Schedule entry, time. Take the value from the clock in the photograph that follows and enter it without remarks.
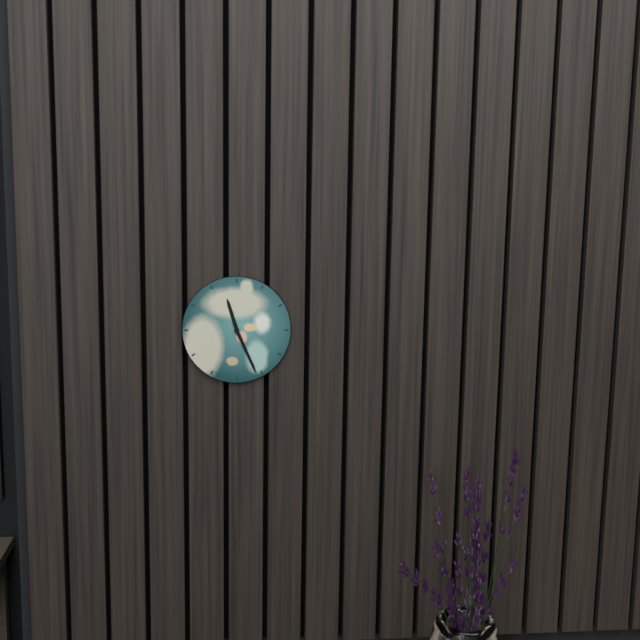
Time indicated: 11:26
